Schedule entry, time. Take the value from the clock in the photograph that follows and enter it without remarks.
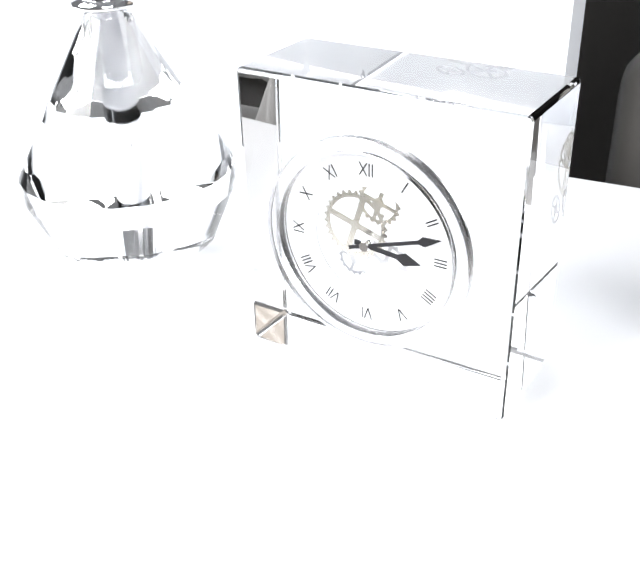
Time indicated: 3:12
